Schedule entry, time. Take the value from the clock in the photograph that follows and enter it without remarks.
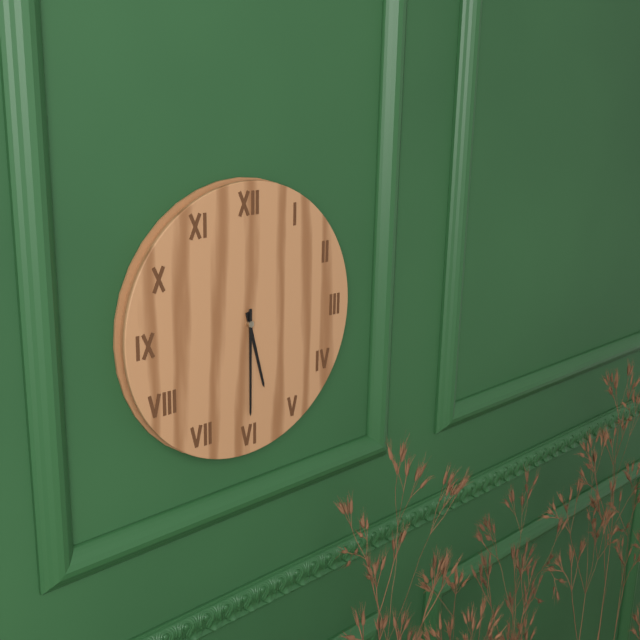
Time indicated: 5:30
